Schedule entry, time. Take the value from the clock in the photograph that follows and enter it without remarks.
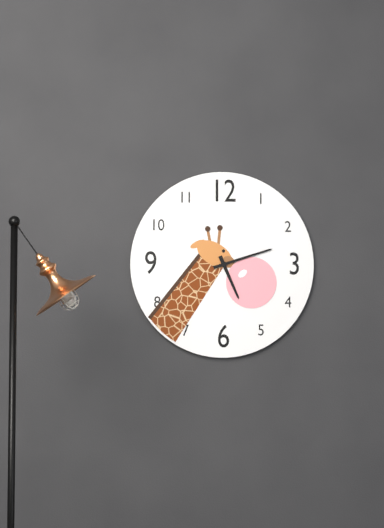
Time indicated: 5:12
